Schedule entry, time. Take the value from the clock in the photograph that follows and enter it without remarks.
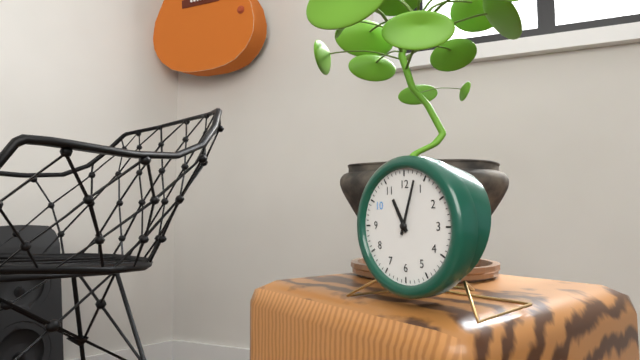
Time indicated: 11:03
